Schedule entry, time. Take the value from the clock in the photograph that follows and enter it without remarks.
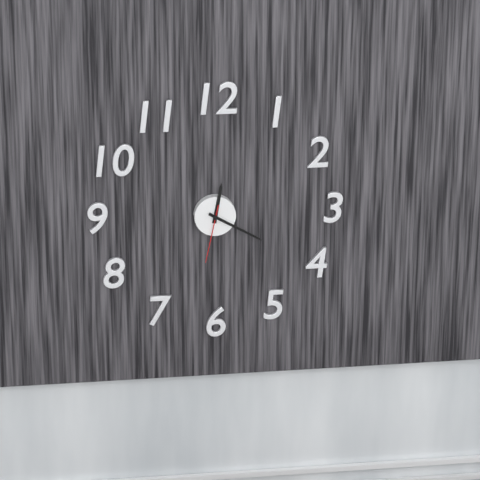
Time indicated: 12:20:32
